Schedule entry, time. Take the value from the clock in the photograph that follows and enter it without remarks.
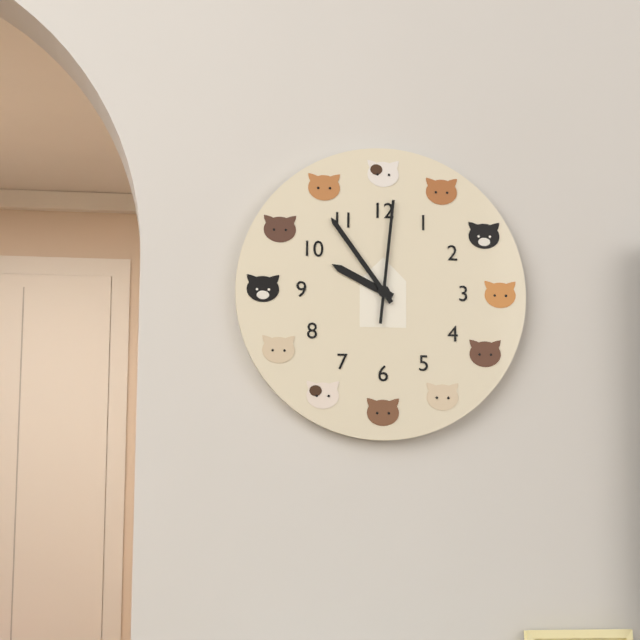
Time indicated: 9:54:01
